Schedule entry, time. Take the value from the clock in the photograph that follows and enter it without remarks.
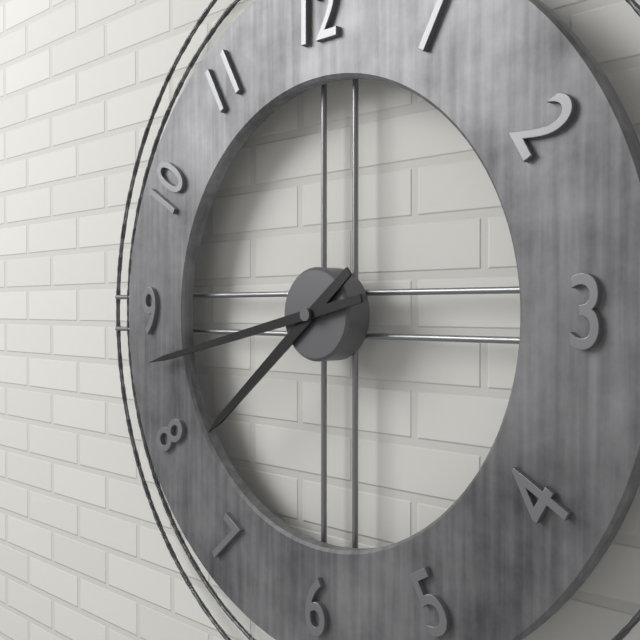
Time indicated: 7:43
